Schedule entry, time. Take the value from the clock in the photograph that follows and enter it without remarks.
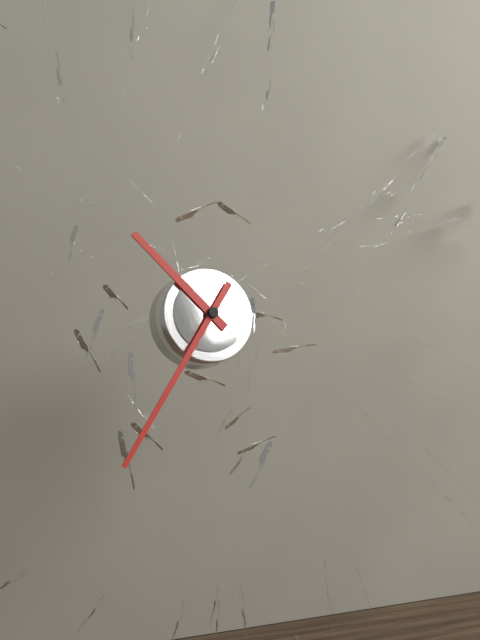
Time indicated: 10:36
